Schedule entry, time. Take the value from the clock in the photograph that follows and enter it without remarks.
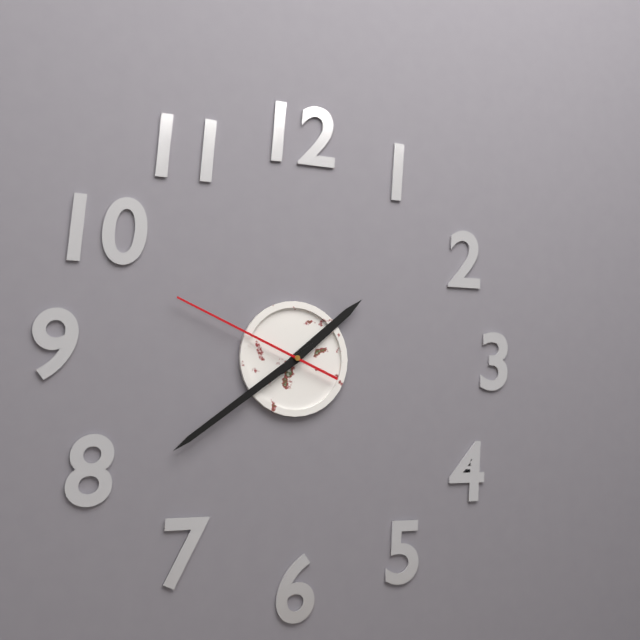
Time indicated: 1:39:49
